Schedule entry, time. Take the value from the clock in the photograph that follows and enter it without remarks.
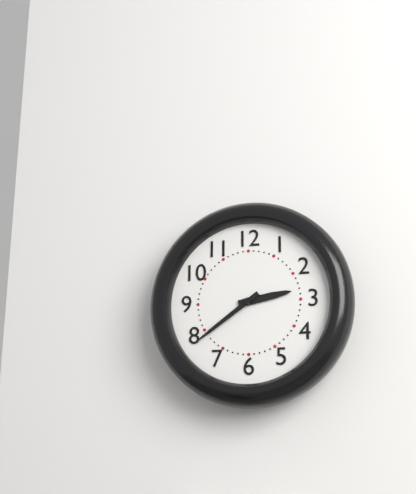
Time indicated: 2:39
